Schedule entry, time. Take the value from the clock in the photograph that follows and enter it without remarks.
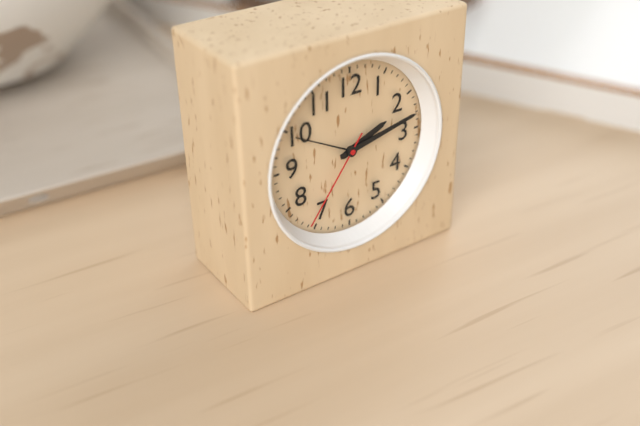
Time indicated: 2:13:36
